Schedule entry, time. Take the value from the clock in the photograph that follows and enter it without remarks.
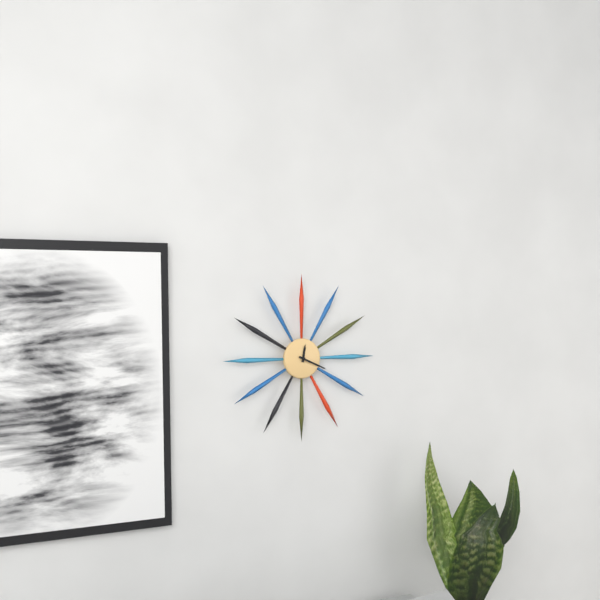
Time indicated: 12:19
